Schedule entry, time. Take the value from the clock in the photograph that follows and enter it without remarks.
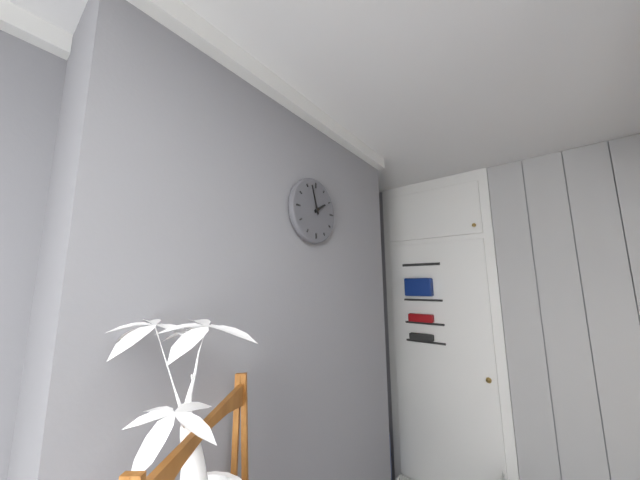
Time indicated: 1:57
